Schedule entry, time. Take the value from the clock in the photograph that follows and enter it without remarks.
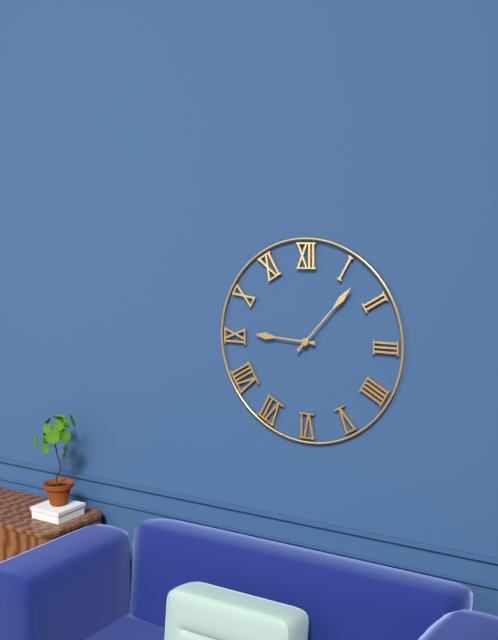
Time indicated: 9:07
